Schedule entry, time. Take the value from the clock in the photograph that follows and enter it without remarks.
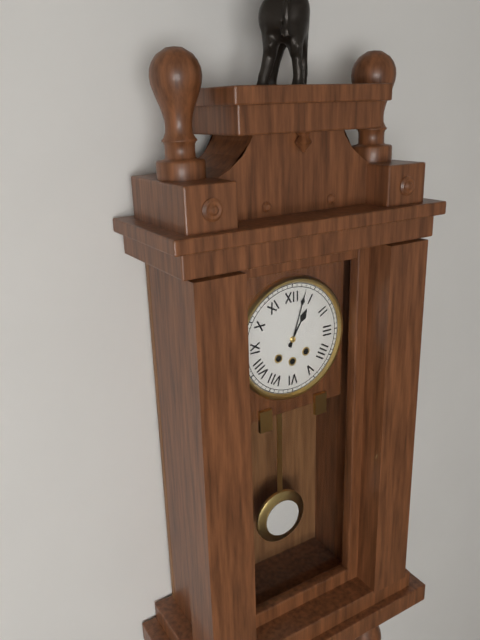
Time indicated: 1:03
